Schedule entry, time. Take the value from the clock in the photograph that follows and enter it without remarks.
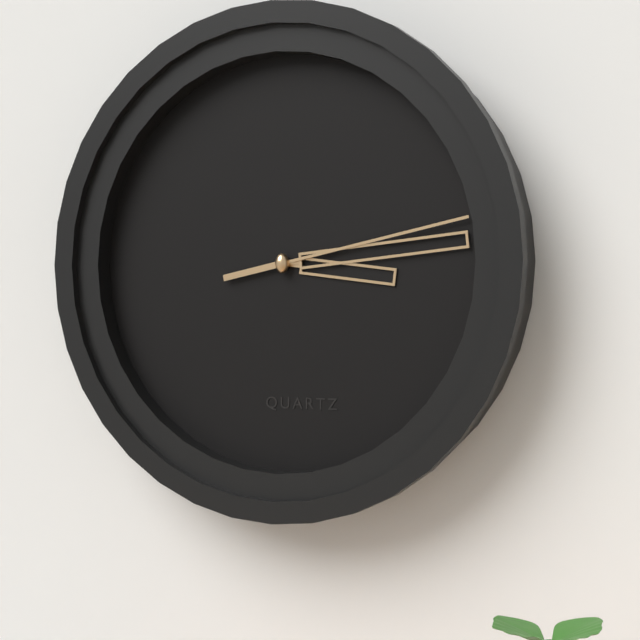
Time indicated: 3:14:13
